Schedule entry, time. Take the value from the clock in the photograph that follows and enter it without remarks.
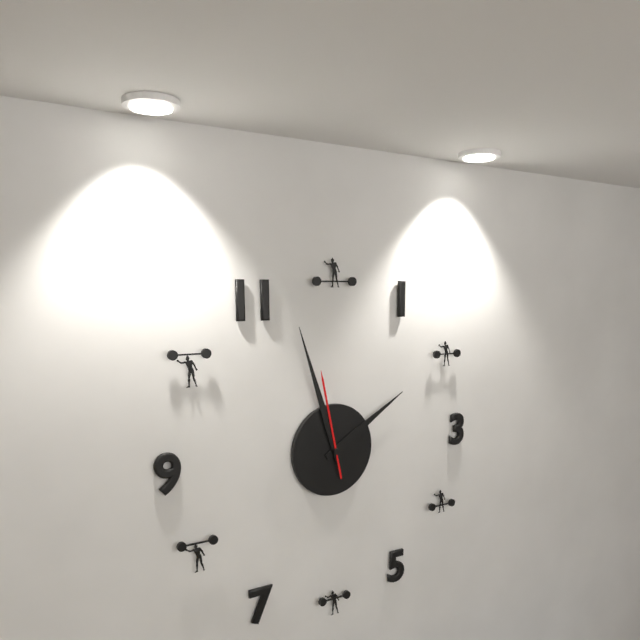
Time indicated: 1:57:58
